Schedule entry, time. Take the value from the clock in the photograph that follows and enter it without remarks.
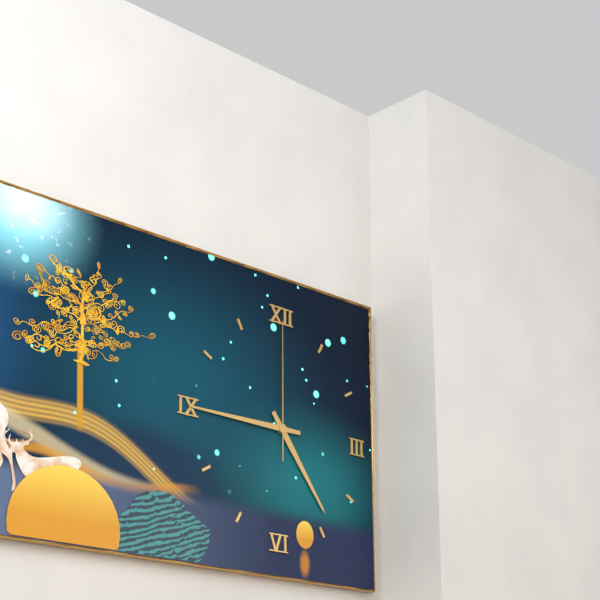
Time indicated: 4:45:00
